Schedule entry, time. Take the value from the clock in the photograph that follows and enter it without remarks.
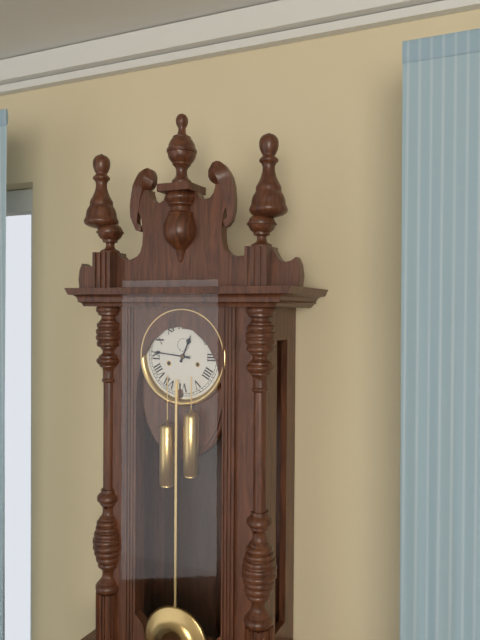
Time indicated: 12:46
